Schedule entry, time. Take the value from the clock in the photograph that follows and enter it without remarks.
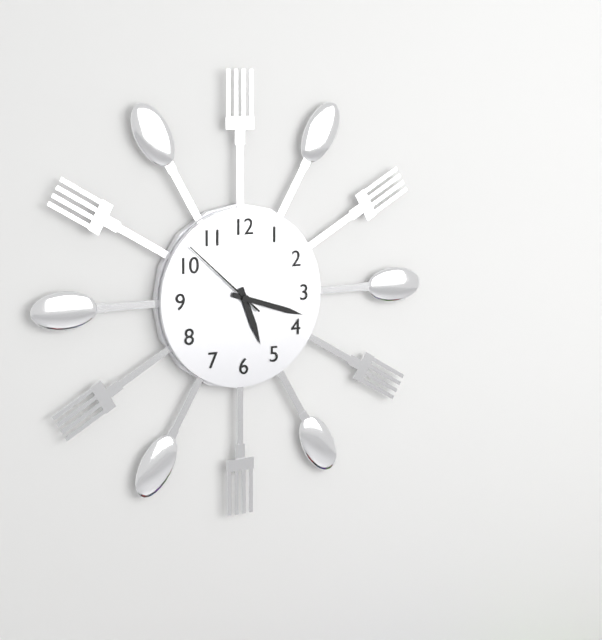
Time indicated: 5:18:52
